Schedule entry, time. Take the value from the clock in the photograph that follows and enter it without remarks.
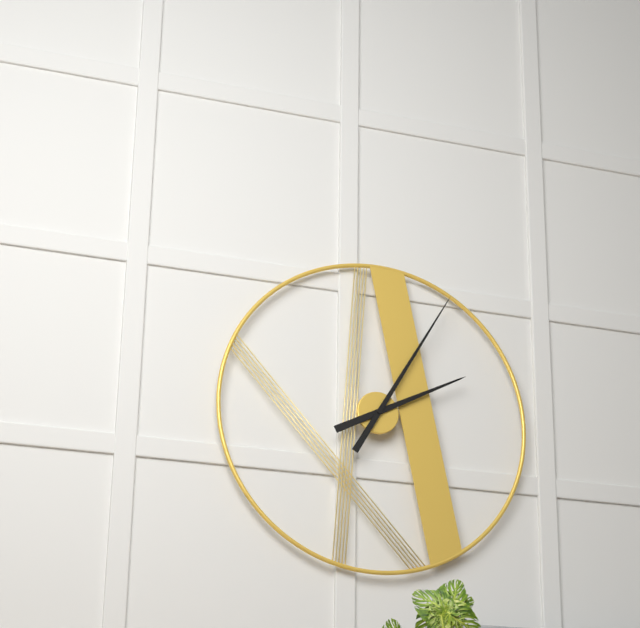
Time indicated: 2:05
